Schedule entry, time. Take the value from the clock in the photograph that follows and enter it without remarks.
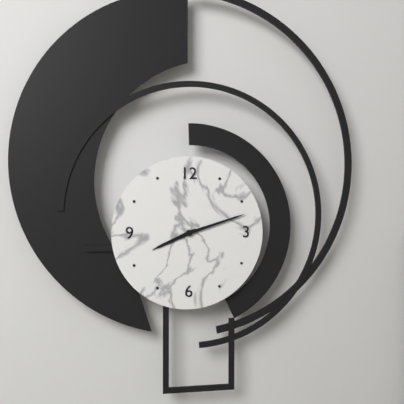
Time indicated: 8:12
